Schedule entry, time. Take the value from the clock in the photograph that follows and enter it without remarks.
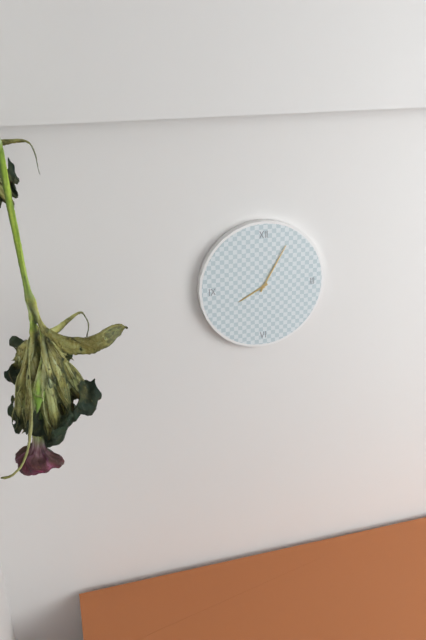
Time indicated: 8:05
